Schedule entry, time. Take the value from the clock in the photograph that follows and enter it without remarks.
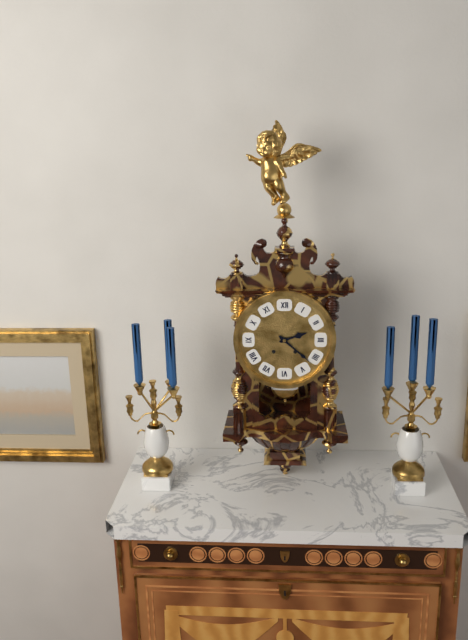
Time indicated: 2:22
